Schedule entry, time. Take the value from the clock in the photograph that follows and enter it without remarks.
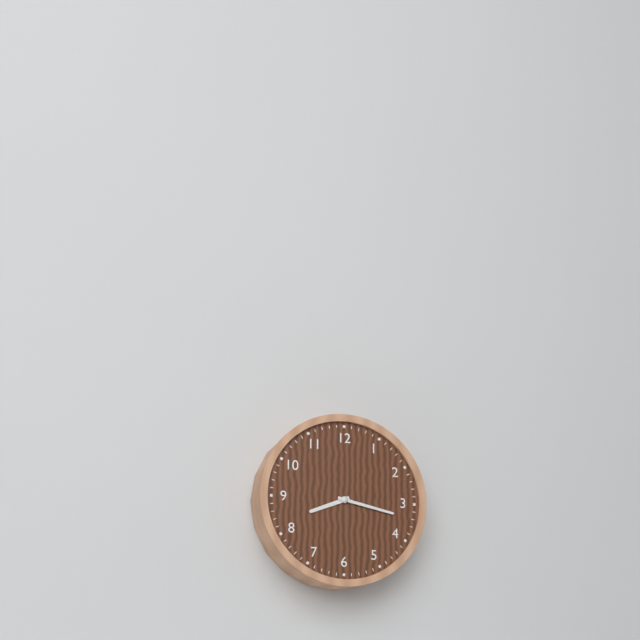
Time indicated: 8:17
